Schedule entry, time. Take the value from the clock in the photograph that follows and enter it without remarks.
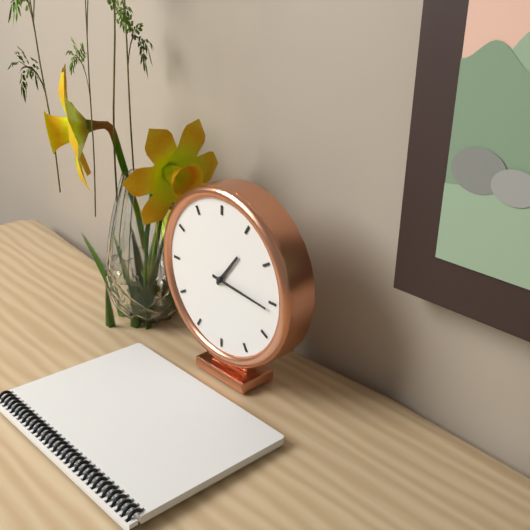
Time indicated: 1:16
